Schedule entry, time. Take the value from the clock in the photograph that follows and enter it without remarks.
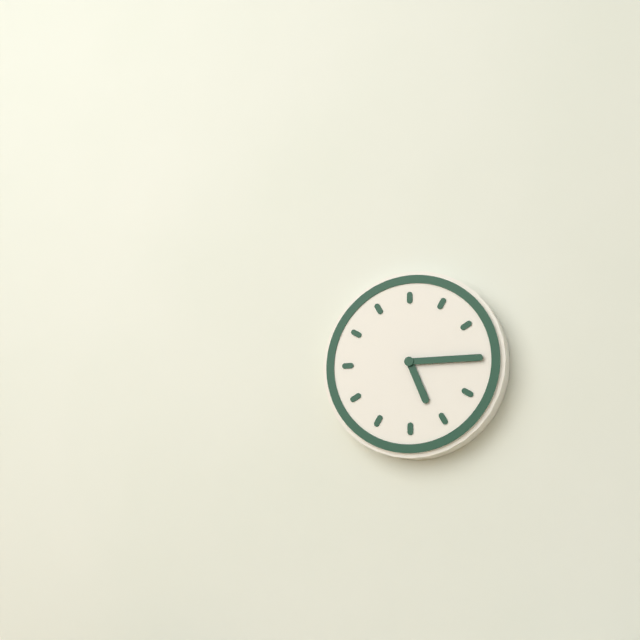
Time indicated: 5:15
